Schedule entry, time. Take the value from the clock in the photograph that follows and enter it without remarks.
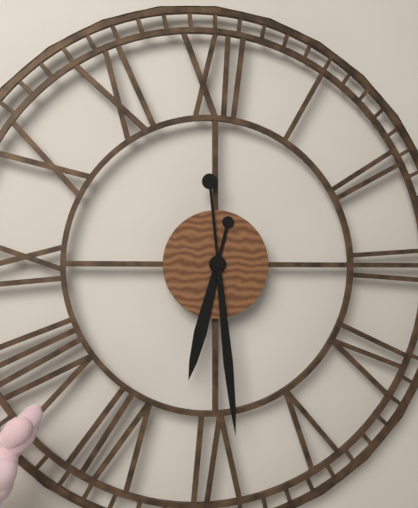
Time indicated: 6:29
